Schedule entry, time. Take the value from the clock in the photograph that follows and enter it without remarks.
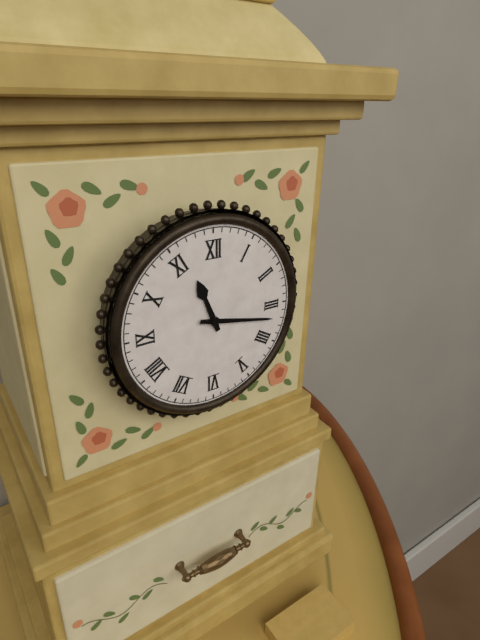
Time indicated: 11:17
